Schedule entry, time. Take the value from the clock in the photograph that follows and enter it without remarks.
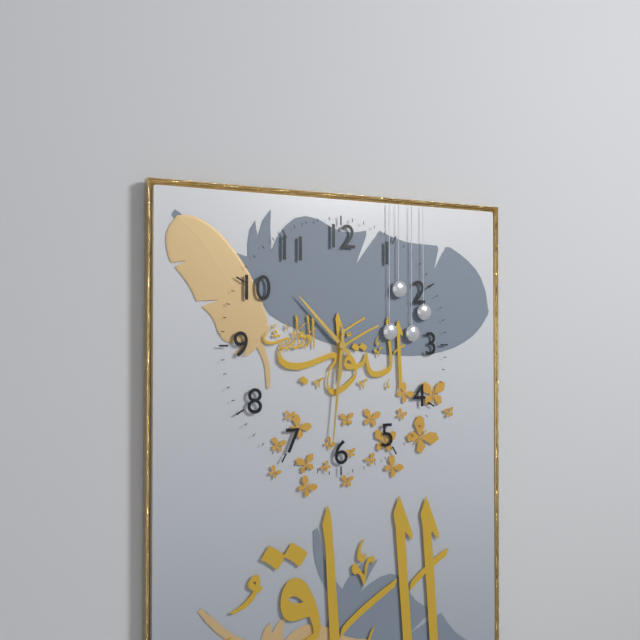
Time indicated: 10:31
